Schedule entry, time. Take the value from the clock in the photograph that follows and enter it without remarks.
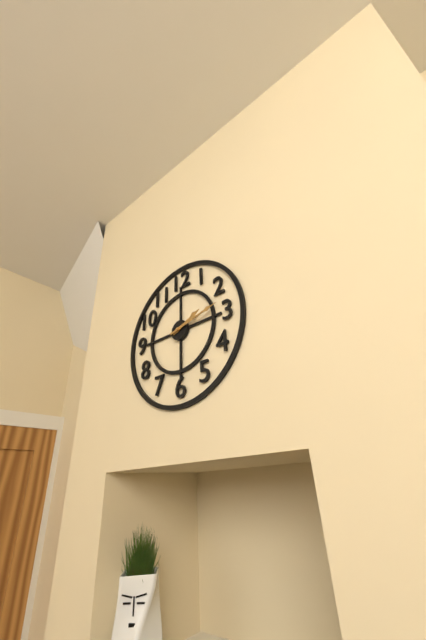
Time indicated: 2:13
